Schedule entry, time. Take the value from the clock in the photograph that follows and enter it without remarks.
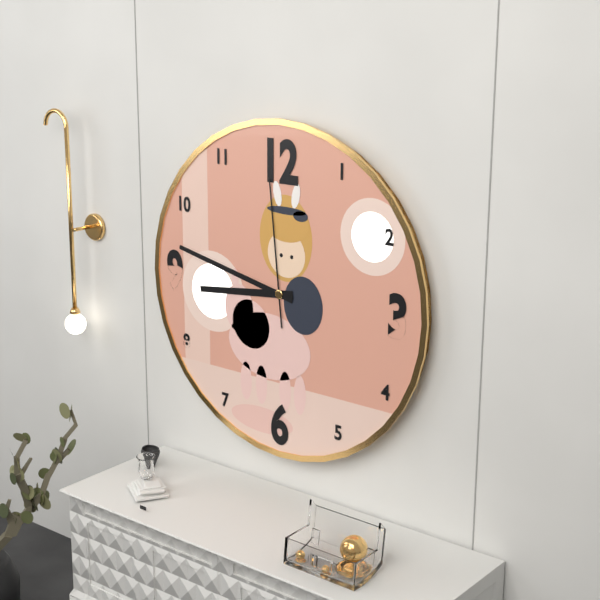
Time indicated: 8:47:59
